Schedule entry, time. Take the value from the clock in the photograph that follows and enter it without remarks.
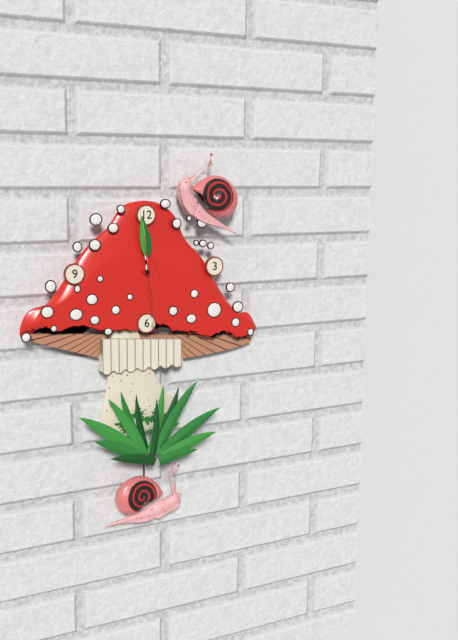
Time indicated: 11:59:29
